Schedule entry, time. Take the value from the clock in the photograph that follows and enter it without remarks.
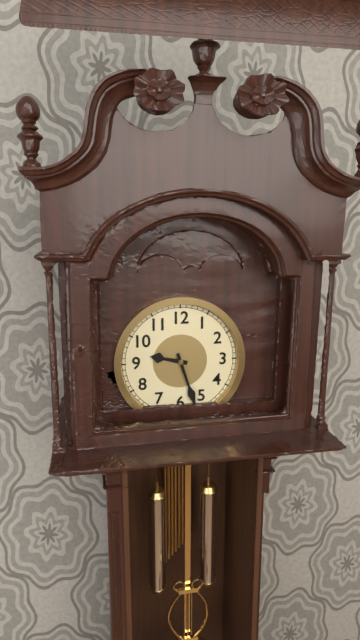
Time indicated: 9:27
